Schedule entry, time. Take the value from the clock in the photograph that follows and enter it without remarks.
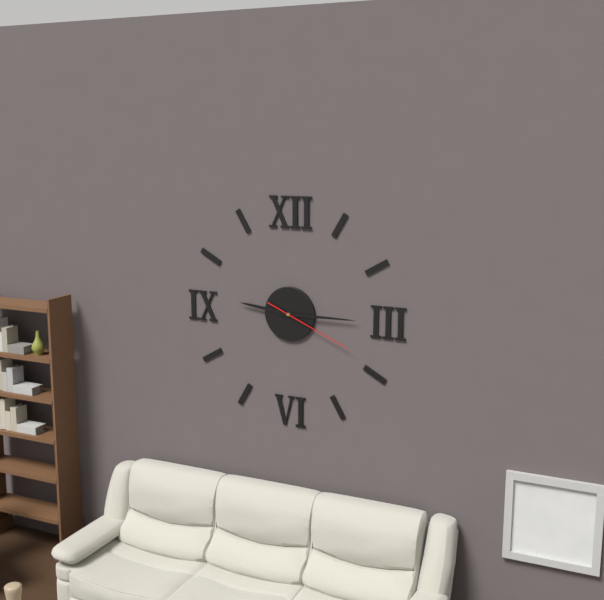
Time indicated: 9:15:19
